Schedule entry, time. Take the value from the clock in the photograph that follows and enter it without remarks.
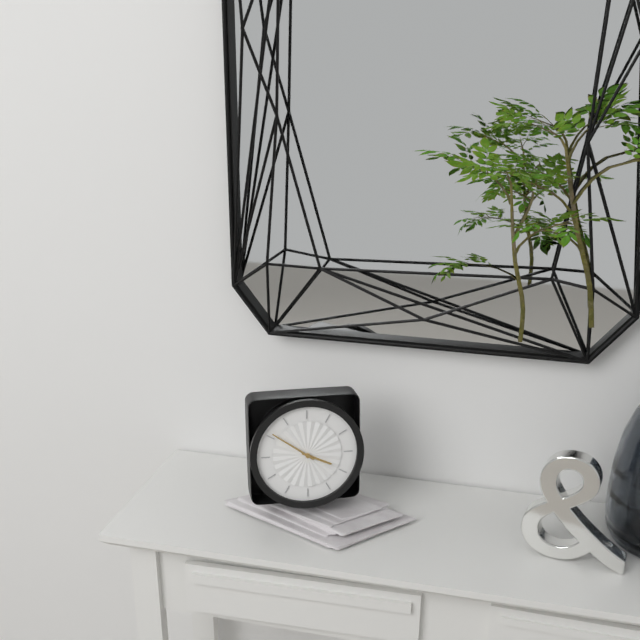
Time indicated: 3:51
